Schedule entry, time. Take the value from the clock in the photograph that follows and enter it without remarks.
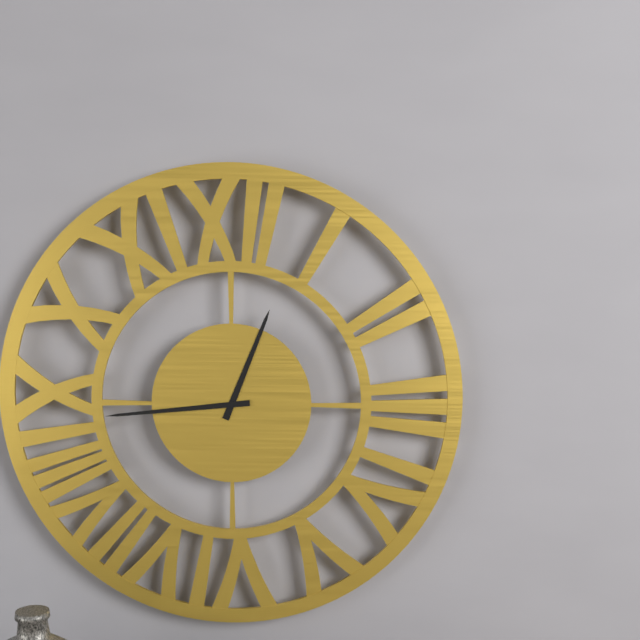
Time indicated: 12:44
